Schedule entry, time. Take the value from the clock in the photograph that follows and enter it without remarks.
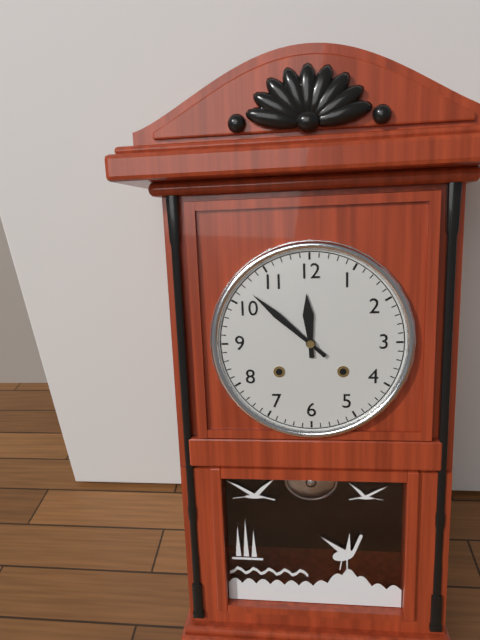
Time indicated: 11:52
